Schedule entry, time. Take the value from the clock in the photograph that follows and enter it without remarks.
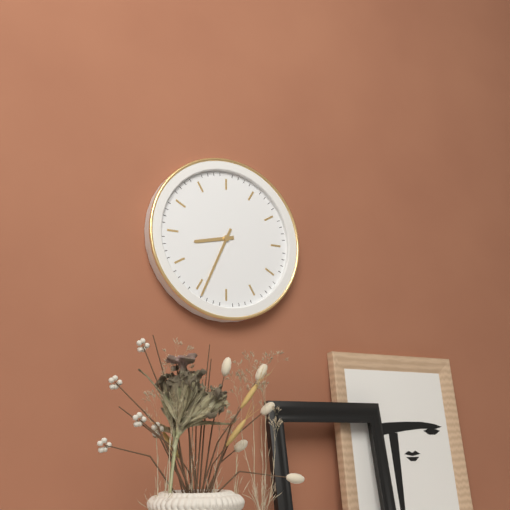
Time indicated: 8:34
